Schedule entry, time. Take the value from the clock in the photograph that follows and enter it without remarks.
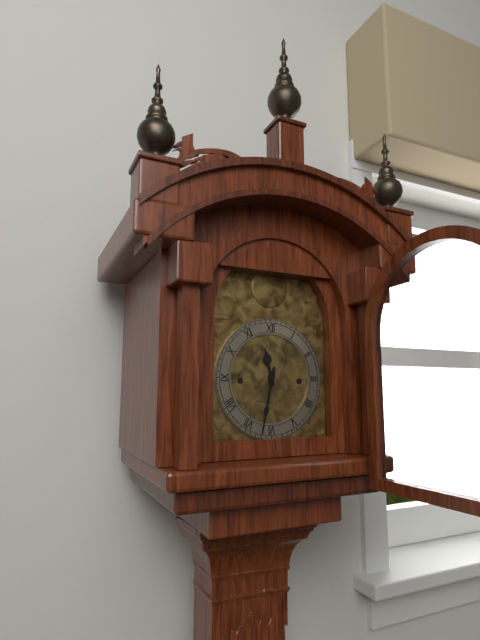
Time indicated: 11:32
